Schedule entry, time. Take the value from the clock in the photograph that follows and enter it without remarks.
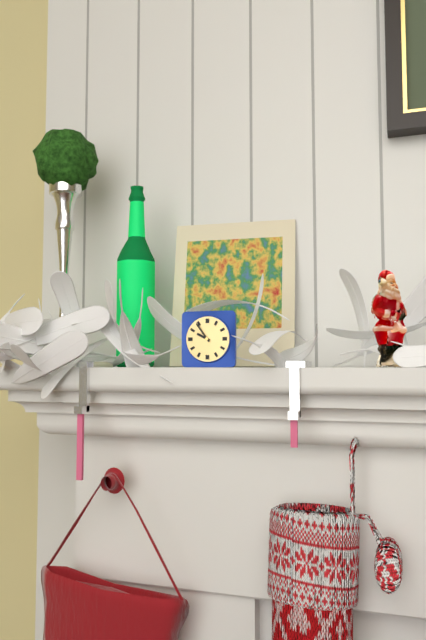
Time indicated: 9:54
